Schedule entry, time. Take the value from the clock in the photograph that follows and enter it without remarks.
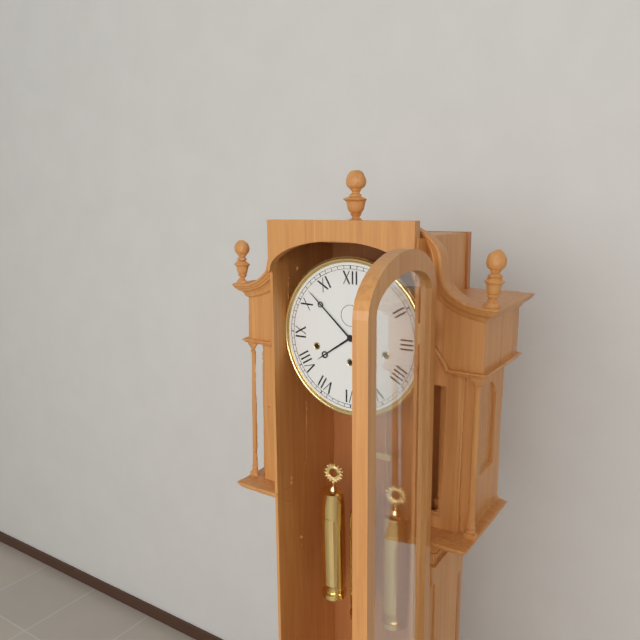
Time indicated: 7:52
